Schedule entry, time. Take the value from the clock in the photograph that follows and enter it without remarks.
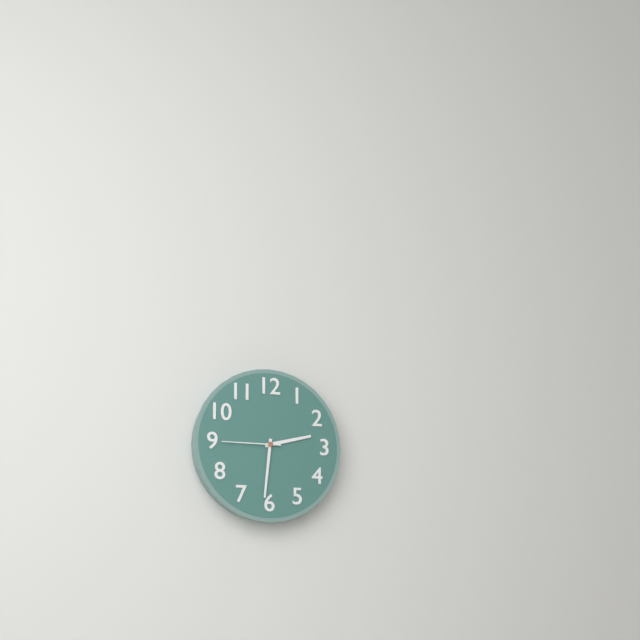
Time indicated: 2:31:45
